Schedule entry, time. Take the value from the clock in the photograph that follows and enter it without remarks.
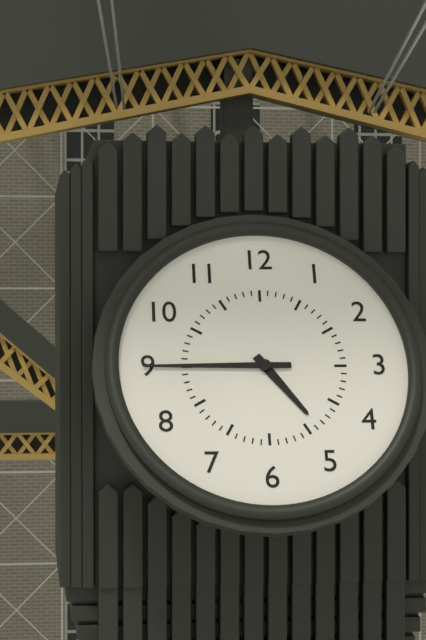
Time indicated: 4:45
